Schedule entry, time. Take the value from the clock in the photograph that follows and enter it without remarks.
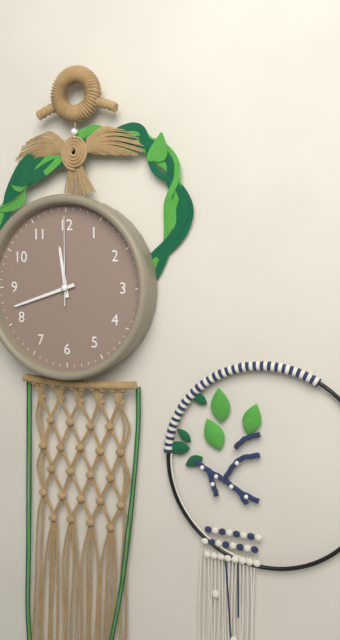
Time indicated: 11:42:00
